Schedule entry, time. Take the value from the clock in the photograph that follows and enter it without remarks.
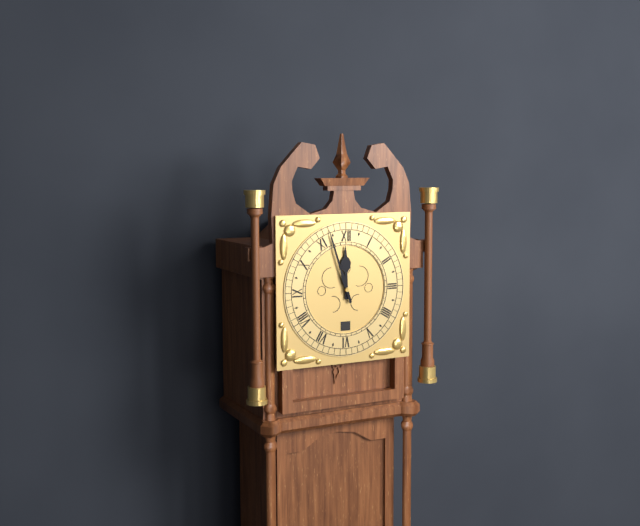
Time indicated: 11:57
